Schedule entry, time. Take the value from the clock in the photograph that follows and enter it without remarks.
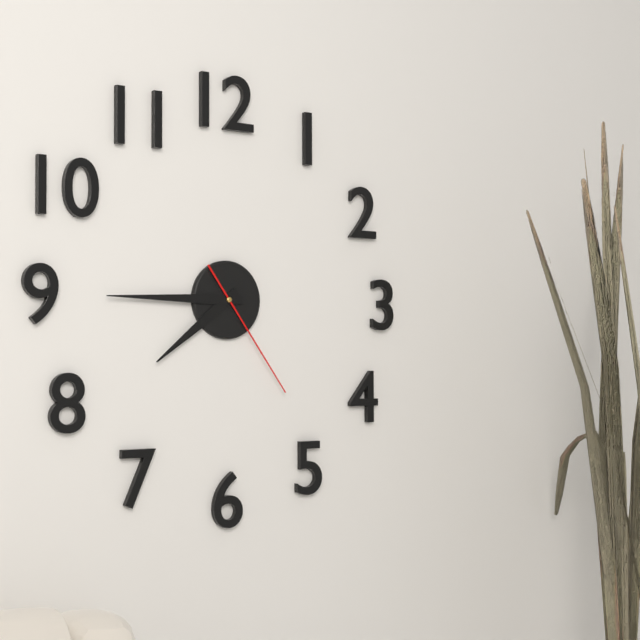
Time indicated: 7:45:24
